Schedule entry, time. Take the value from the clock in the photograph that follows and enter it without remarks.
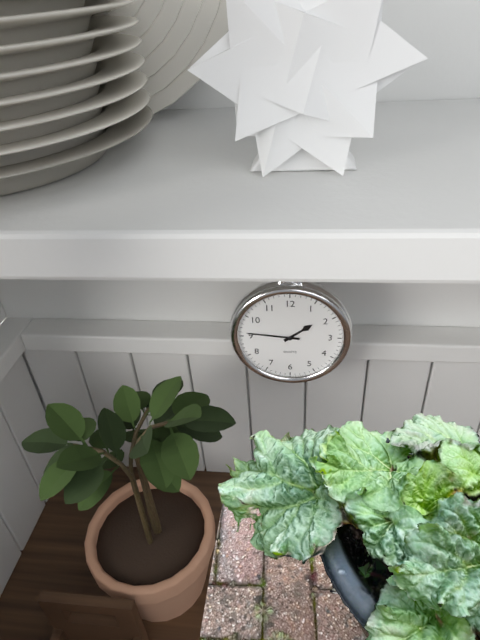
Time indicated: 1:46
